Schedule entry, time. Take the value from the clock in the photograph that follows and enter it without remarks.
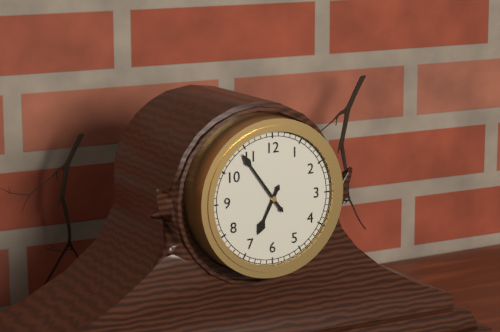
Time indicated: 6:54
